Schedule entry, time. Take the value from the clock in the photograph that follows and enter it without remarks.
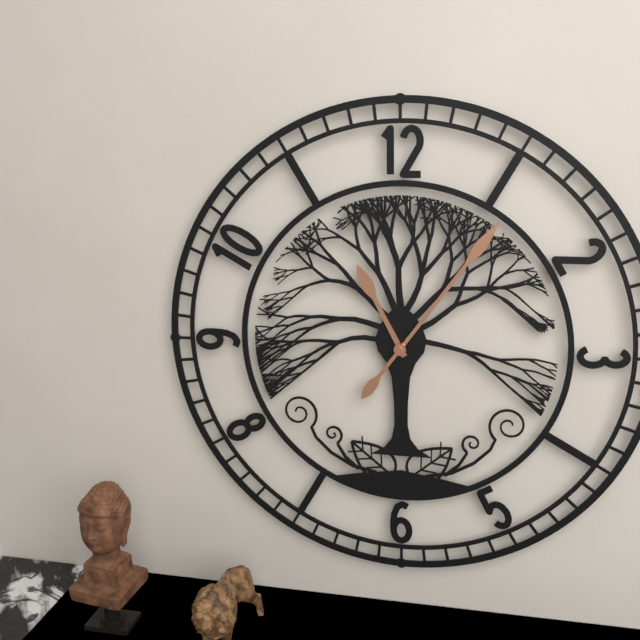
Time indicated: 11:06
